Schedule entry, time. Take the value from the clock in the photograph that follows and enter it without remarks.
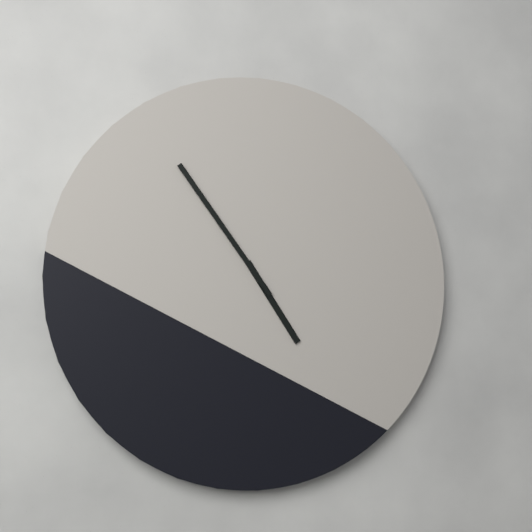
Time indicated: 4:54
